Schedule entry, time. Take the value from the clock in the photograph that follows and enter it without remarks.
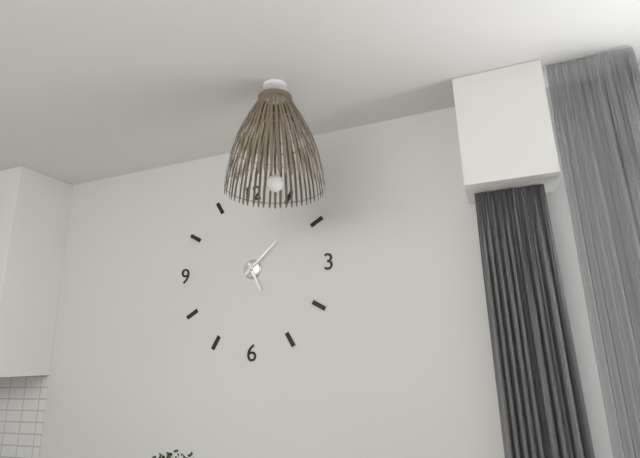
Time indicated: 5:08
